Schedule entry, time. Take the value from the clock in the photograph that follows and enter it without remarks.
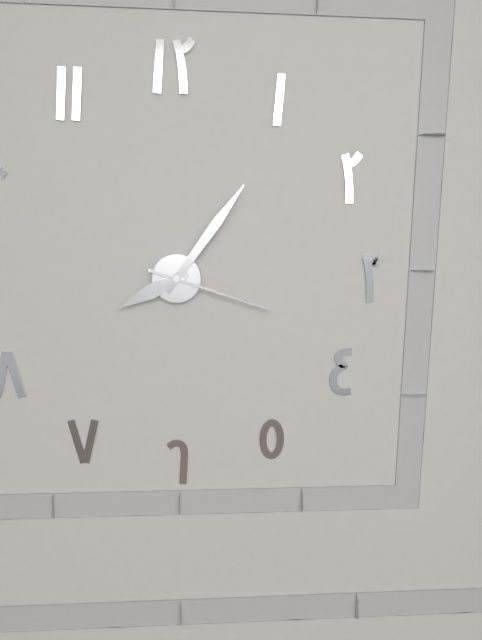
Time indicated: 8:06:18
